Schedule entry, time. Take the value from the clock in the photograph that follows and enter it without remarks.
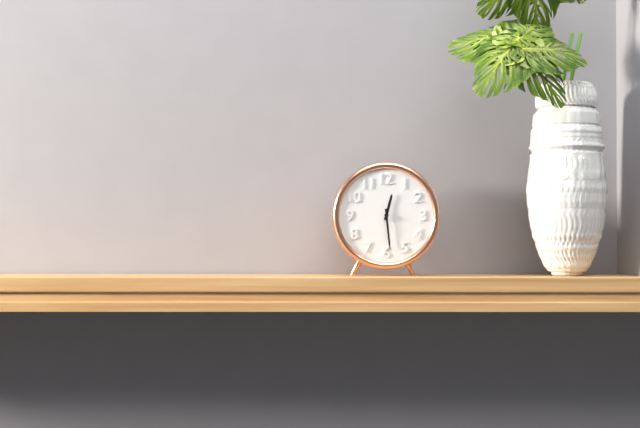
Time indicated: 12:29
